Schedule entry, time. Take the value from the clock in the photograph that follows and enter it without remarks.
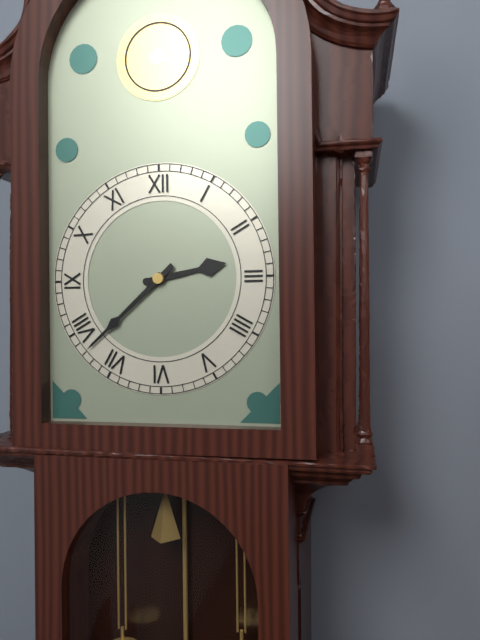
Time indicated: 2:38
